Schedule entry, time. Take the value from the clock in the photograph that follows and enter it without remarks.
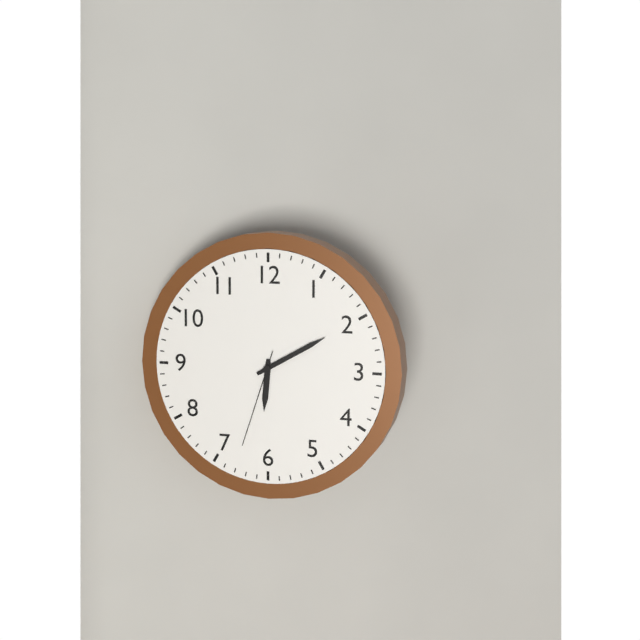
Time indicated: 6:10:33
